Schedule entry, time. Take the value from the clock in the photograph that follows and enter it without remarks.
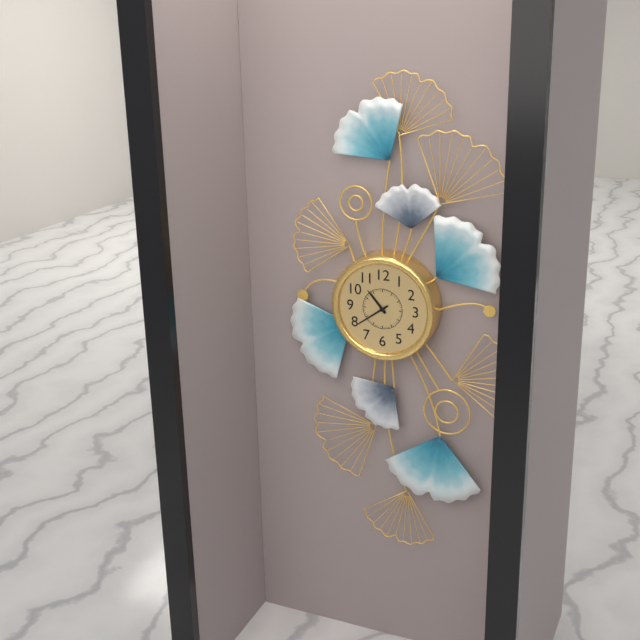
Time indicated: 10:39
